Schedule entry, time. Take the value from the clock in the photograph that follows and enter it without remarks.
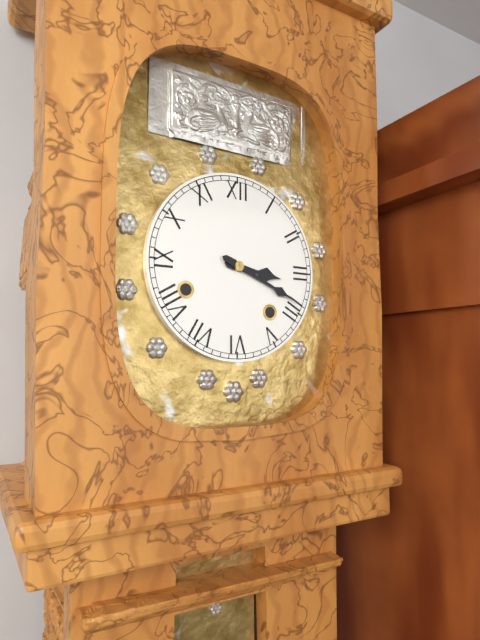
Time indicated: 3:19
